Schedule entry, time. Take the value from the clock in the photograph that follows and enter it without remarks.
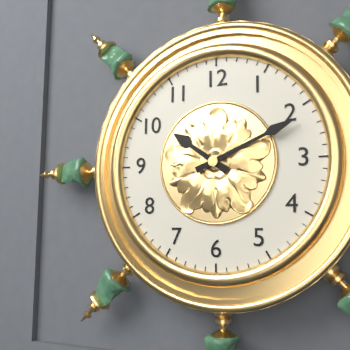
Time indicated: 10:11
